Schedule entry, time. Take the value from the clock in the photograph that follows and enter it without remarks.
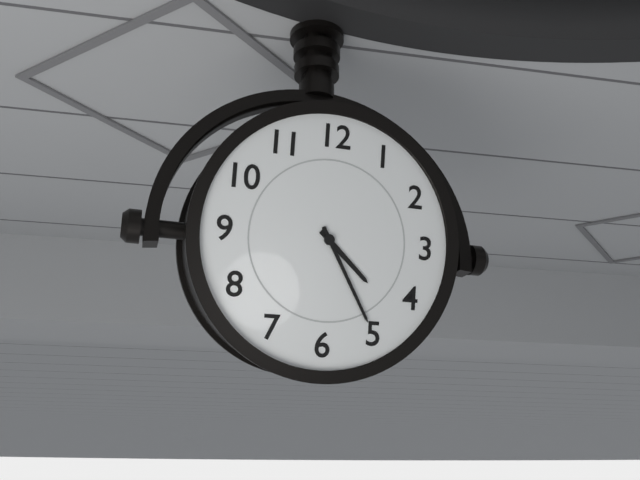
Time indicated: 4:25
